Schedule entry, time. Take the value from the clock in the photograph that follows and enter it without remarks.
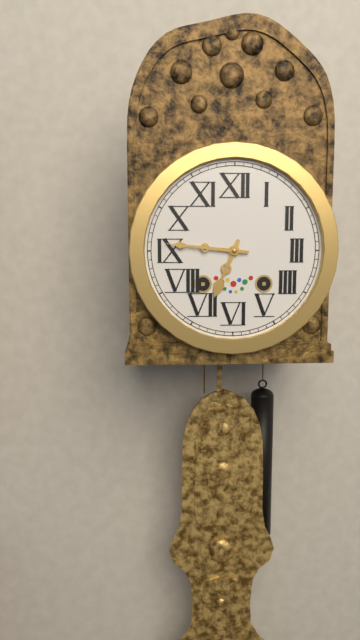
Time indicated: 6:46
